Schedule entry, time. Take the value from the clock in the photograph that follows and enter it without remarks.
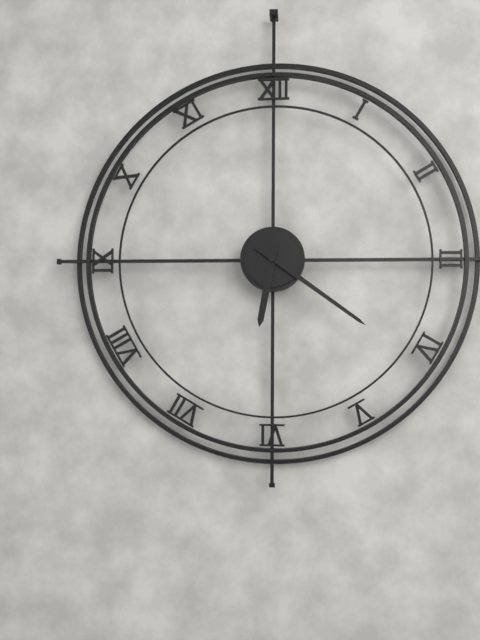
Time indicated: 6:21
